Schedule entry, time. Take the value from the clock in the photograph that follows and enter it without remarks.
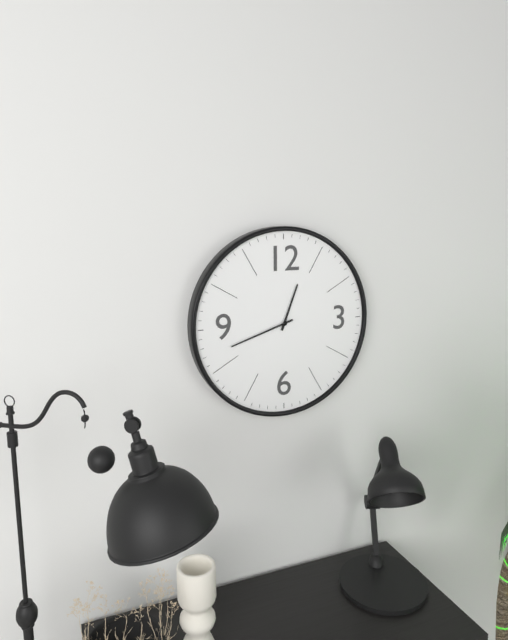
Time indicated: 12:42
